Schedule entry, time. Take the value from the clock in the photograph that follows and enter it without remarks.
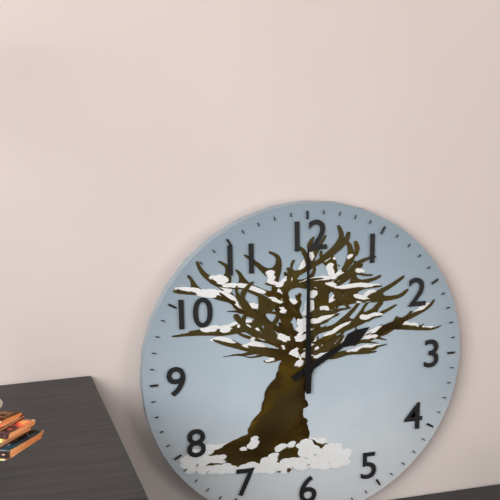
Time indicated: 2:00
